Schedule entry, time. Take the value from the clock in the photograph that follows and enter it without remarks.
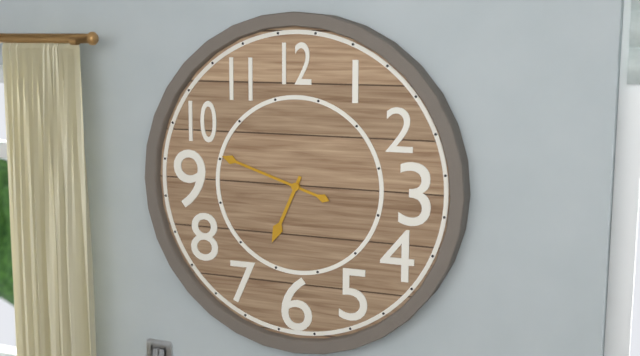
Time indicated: 6:48
